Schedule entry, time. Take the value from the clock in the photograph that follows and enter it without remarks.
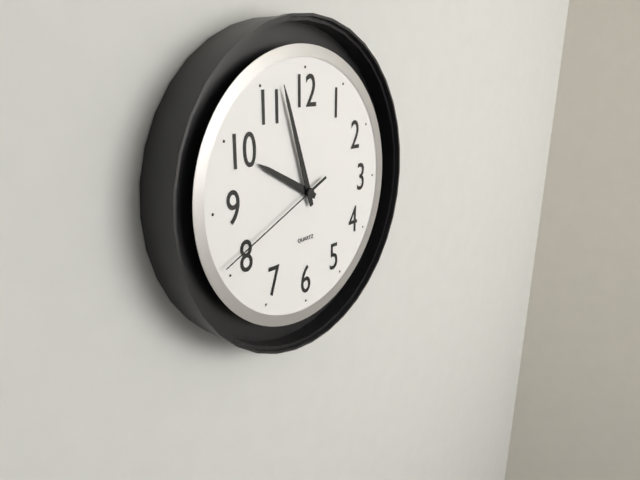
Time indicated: 9:57:41
